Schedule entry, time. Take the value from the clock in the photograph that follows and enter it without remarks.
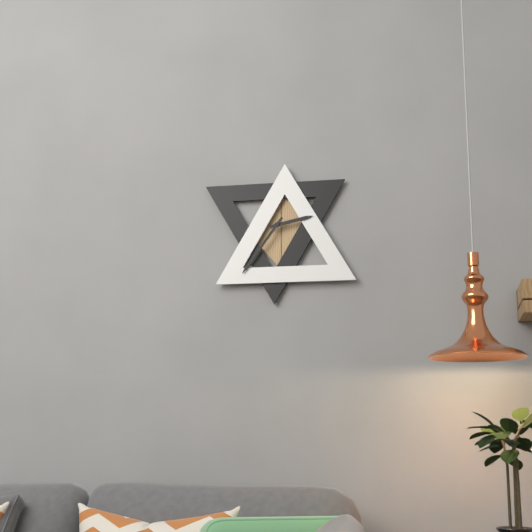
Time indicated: 2:36
